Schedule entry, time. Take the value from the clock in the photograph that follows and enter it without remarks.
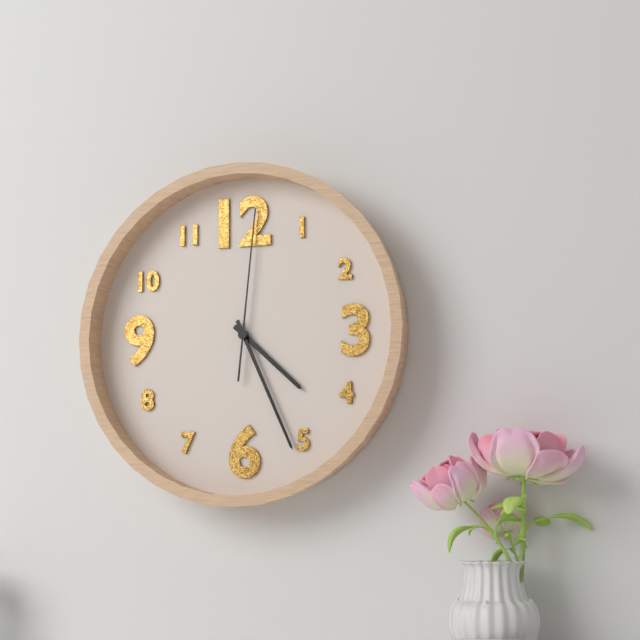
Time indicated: 4:26:01
